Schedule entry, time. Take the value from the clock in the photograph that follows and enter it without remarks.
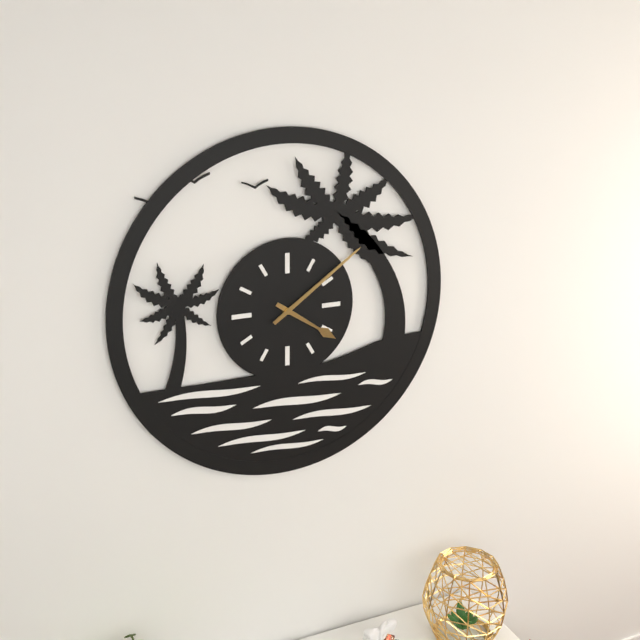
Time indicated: 4:09
